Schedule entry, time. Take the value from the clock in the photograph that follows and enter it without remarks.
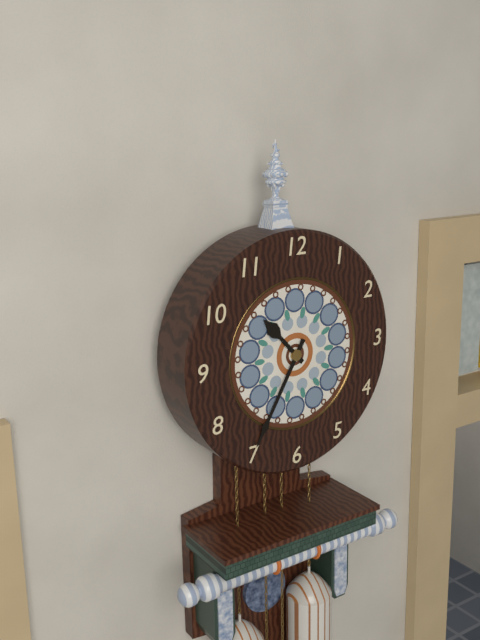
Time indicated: 10:35
